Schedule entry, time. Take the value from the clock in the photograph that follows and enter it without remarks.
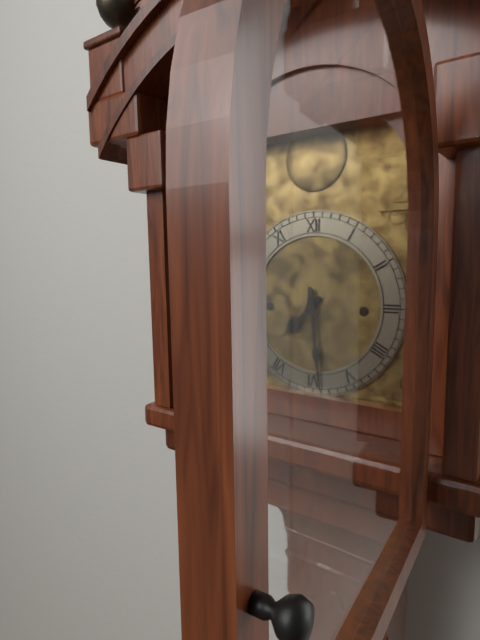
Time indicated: 7:29
